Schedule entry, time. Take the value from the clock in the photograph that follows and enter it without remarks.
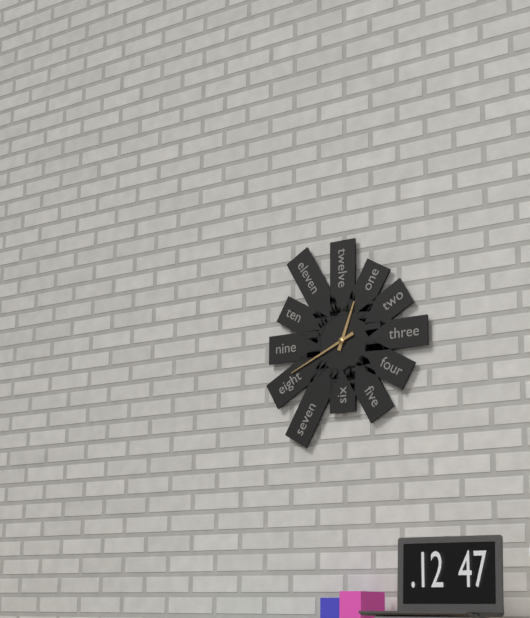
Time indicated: 12:41
